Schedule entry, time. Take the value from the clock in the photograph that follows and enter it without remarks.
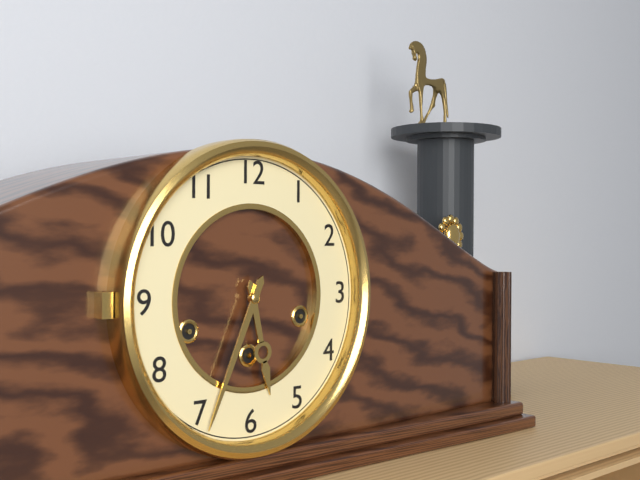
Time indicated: 5:34
